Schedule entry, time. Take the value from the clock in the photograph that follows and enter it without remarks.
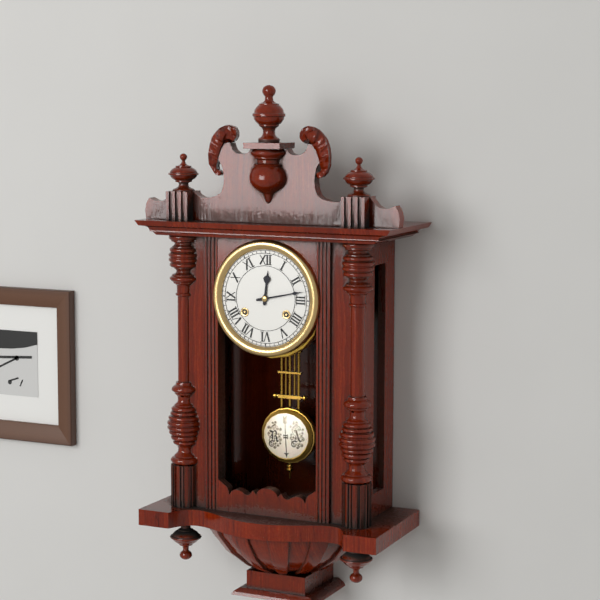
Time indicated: 12:13
